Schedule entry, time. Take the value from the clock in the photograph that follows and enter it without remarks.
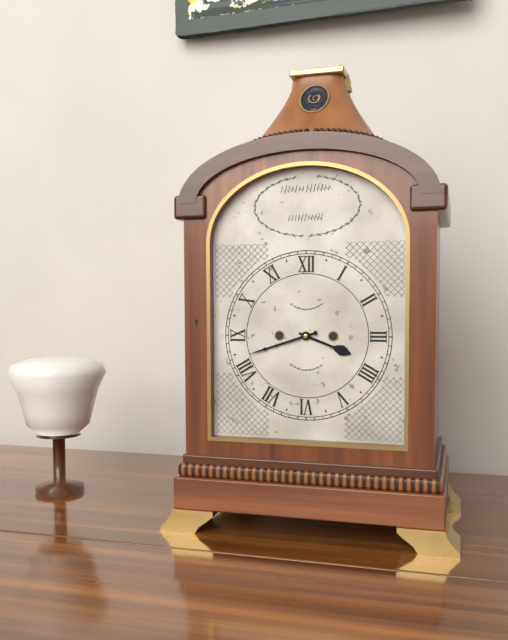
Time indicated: 3:42
